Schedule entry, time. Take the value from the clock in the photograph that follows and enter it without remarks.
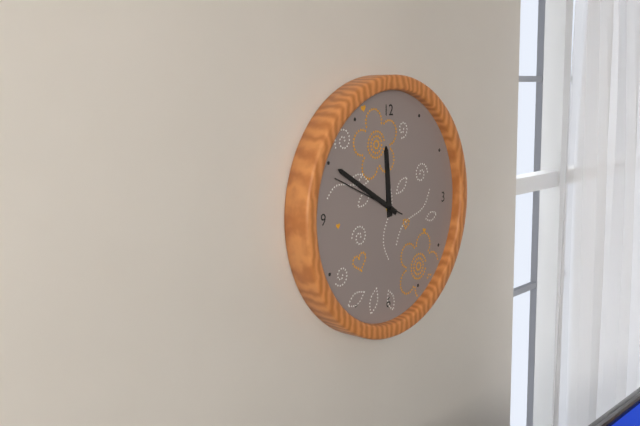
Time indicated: 11:50:49
